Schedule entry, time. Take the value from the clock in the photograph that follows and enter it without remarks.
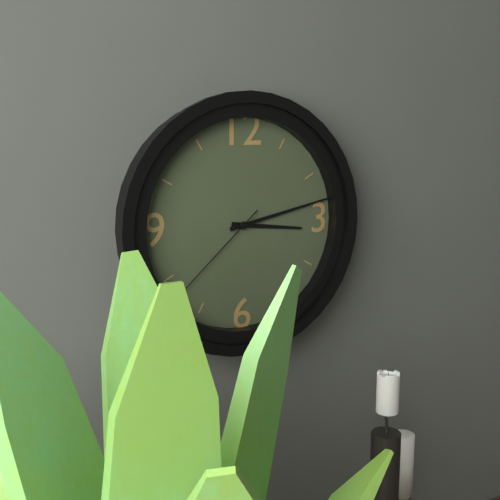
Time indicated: 3:13:38
